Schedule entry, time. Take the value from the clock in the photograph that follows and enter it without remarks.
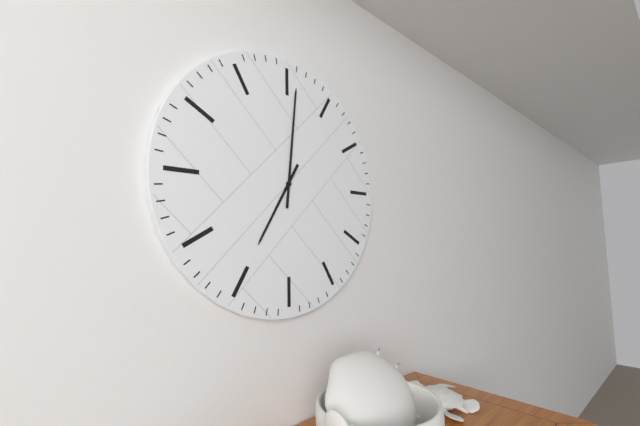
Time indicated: 7:01
